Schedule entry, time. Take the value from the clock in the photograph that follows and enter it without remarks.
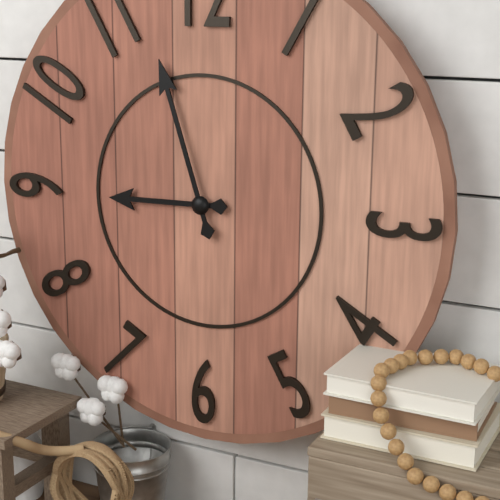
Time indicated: 8:57
